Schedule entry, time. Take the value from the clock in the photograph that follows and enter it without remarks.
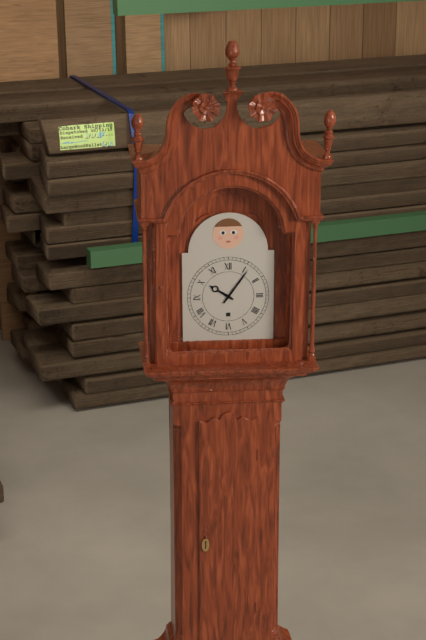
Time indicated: 10:06
